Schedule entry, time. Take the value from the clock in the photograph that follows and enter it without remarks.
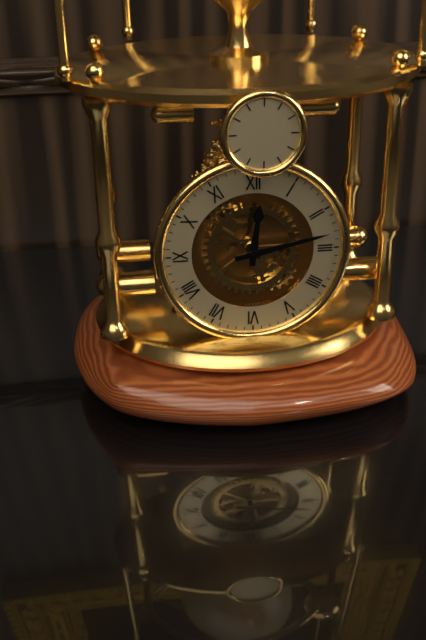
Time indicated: 12:13
